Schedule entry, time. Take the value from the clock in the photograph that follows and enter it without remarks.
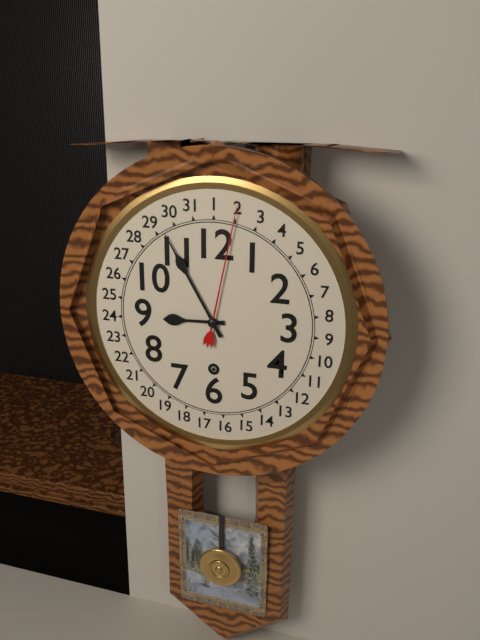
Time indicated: 8:55
